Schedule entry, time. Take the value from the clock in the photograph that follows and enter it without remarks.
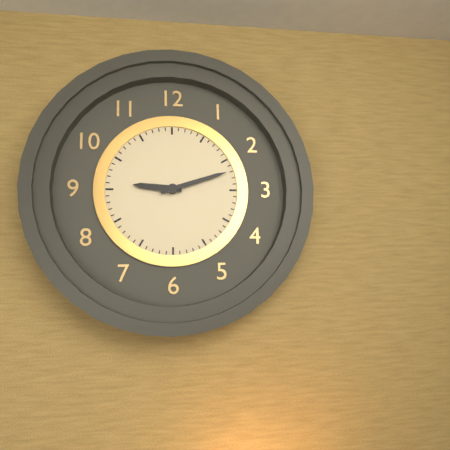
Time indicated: 9:12
